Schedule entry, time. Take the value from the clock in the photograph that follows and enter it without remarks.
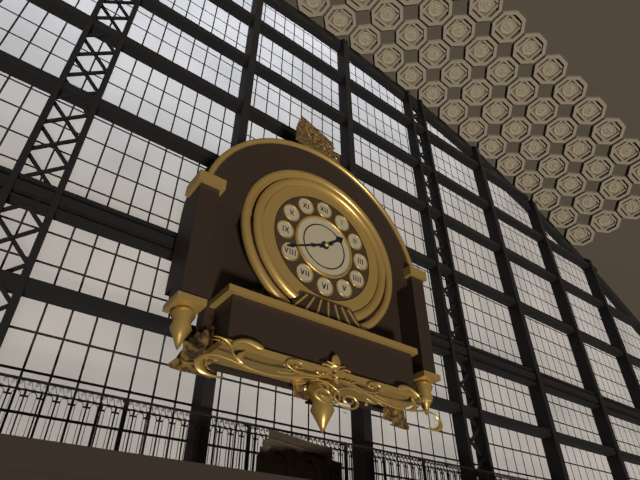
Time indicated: 1:41
